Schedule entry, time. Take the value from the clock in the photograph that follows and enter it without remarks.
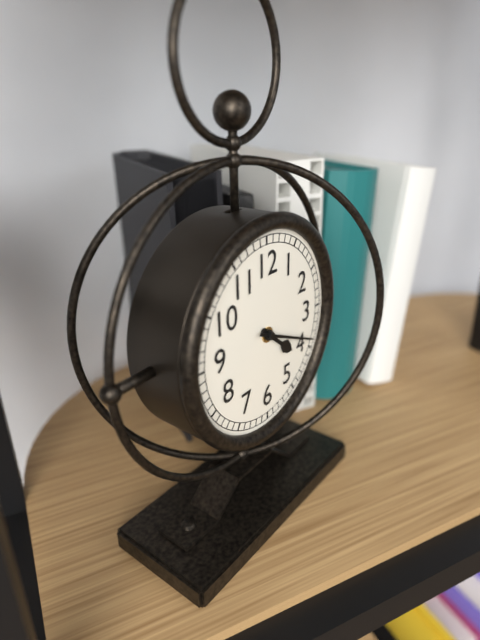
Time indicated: 4:19
